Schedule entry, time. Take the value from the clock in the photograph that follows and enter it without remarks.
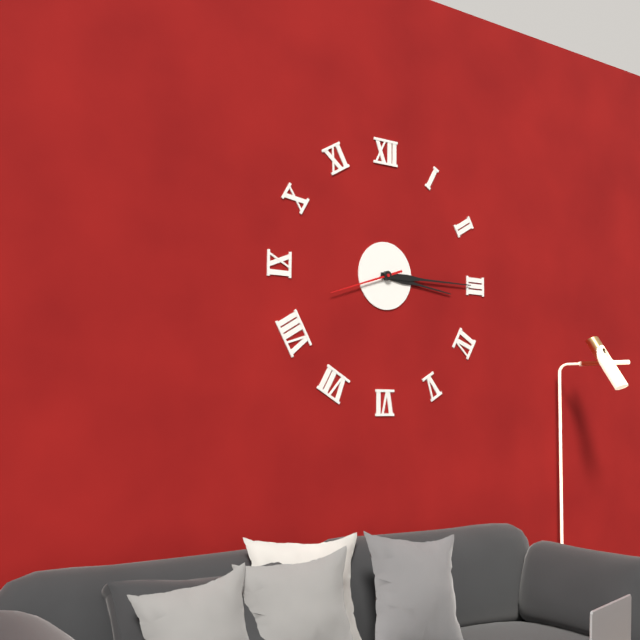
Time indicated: 3:15:42
